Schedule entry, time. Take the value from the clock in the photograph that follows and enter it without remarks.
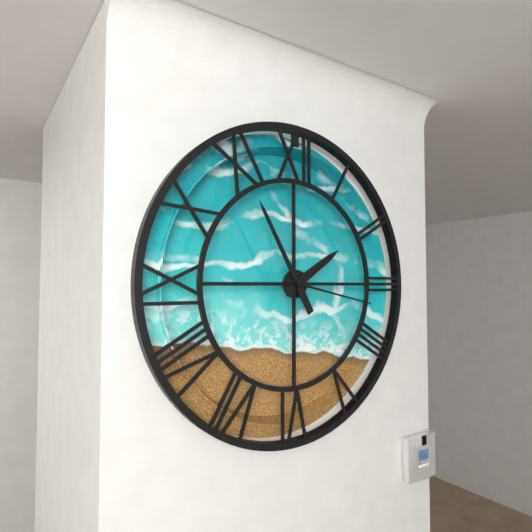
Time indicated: 1:55:17
